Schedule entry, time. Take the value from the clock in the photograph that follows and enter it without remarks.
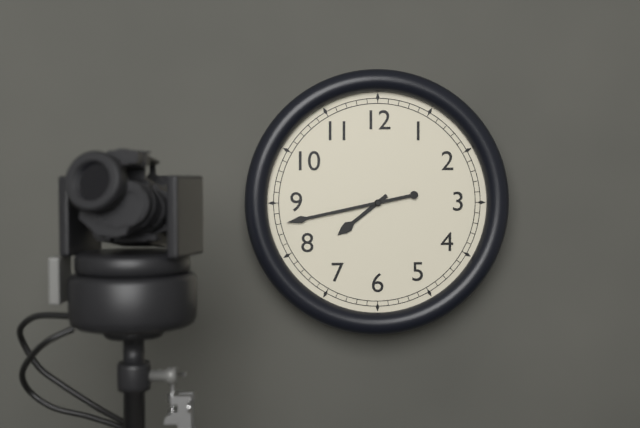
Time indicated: 7:43
